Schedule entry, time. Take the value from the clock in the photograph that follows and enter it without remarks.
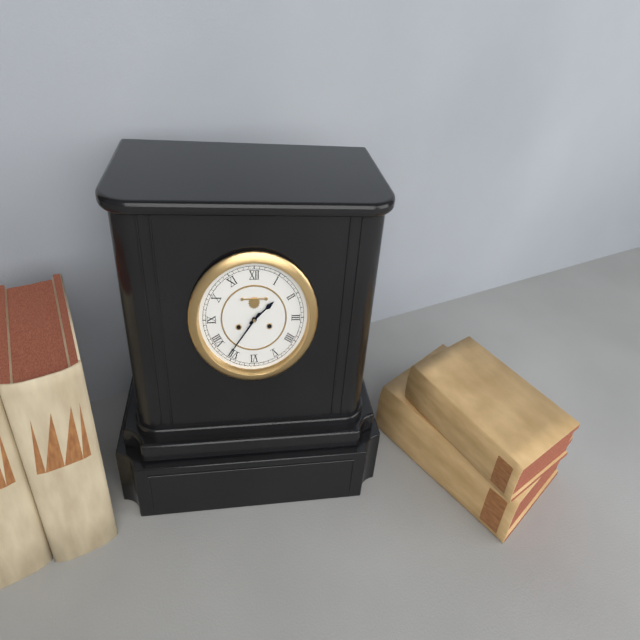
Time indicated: 1:36
